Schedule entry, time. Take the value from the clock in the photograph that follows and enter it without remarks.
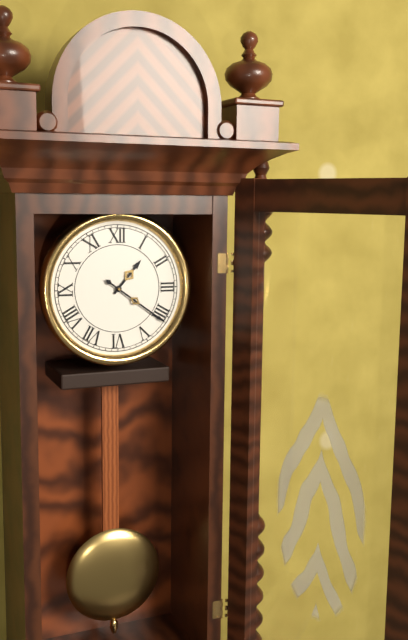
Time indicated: 1:21
